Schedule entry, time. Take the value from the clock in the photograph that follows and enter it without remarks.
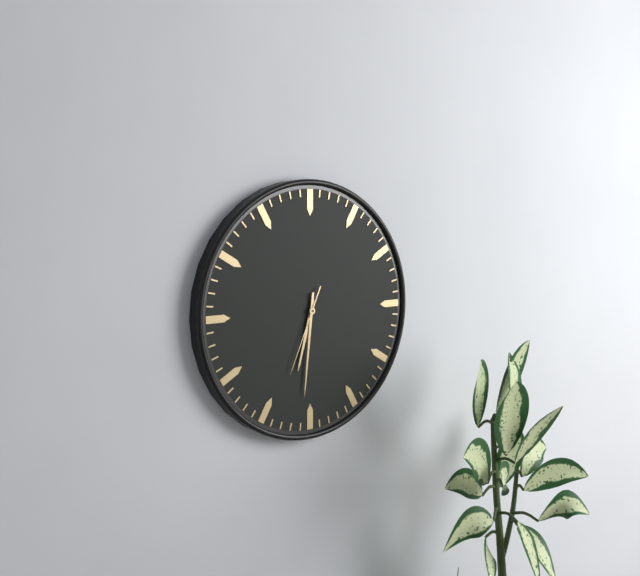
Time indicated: 6:31:34
